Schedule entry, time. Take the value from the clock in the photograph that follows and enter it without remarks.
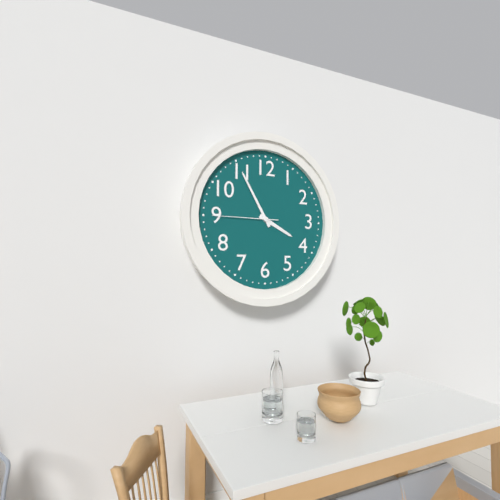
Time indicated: 3:55:45
